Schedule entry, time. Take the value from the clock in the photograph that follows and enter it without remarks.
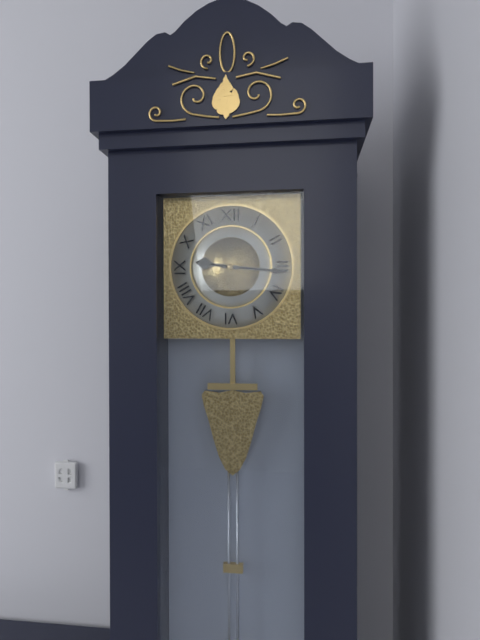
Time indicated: 9:16
